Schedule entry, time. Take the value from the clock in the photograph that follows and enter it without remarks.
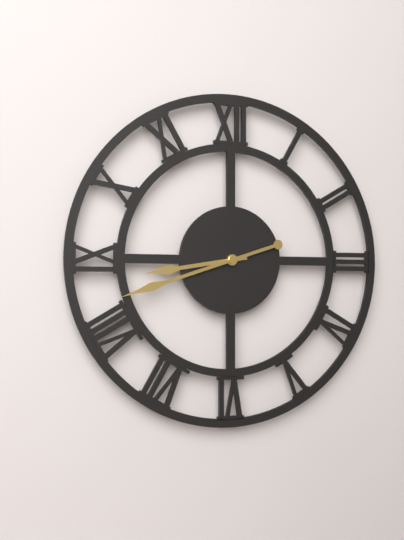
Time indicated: 8:42
